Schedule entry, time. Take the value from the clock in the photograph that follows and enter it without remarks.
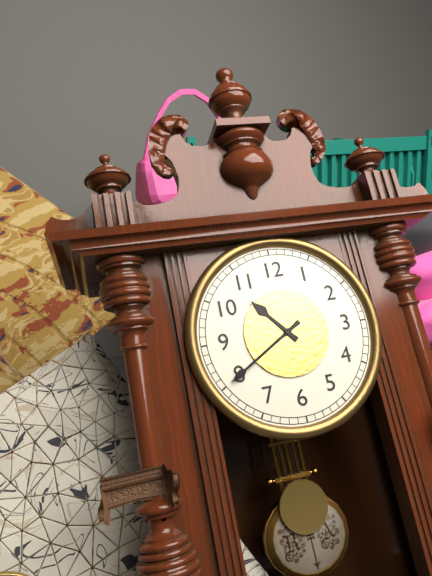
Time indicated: 10:40
